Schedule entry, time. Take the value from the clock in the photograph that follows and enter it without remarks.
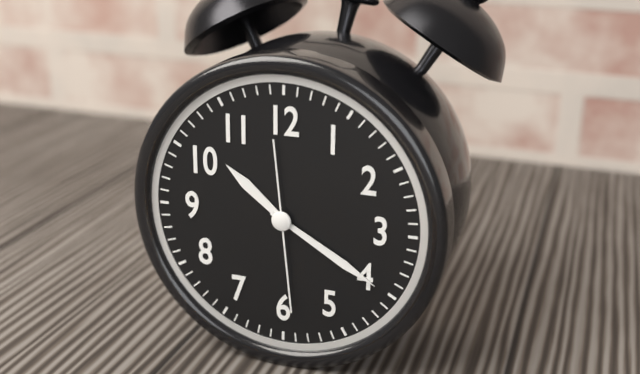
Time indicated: 10:20:29
